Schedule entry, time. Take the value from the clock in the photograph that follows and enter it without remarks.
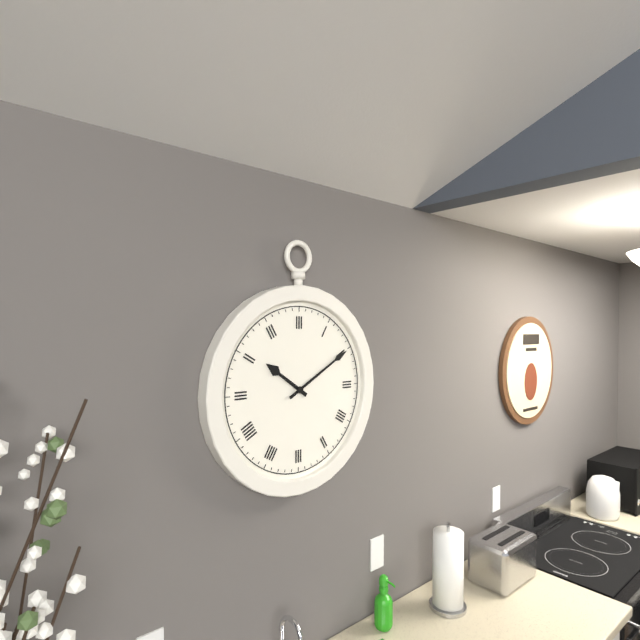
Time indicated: 10:10
